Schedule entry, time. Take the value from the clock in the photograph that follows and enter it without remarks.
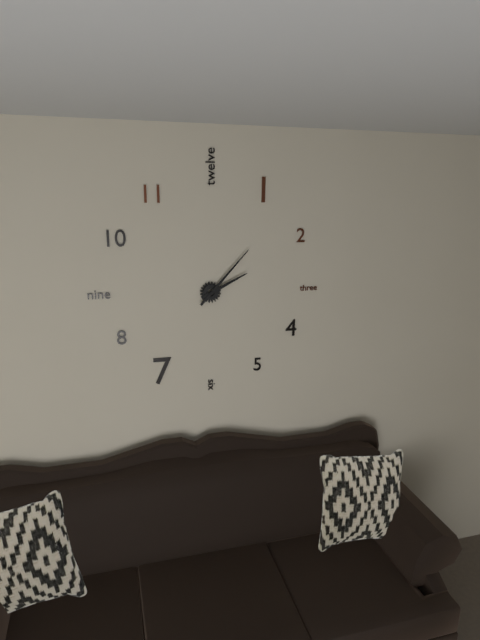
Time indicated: 2:07
